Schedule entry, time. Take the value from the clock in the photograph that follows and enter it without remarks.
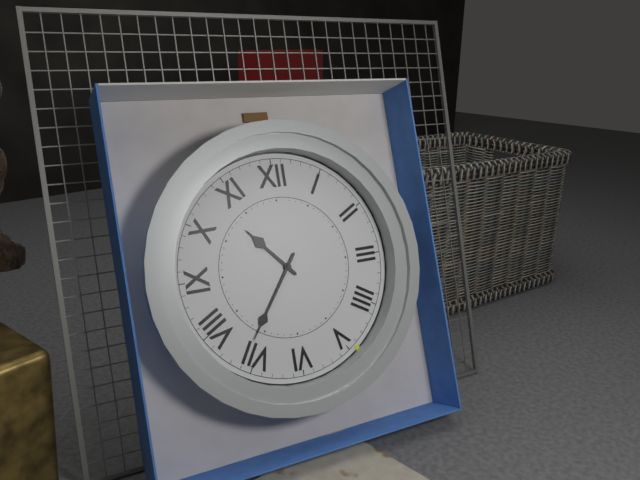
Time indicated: 10:36
